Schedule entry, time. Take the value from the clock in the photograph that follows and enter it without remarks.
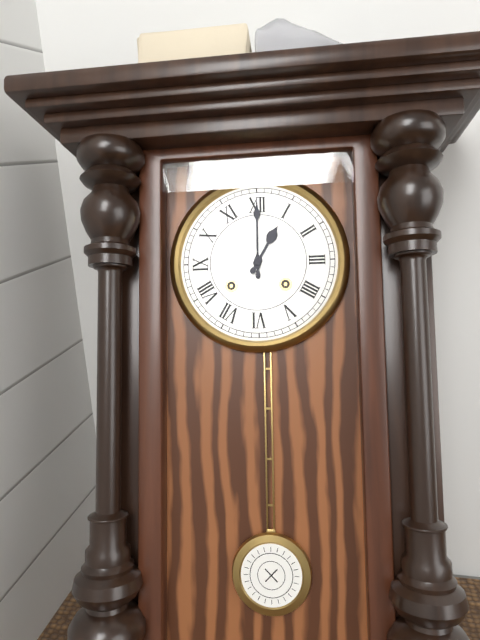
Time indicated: 1:00
